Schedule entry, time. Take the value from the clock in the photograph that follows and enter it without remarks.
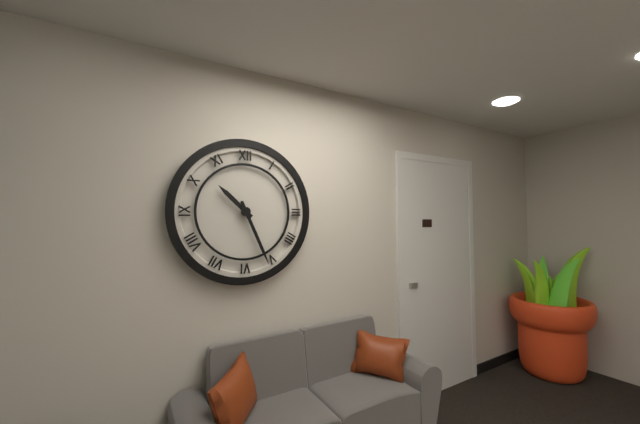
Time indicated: 10:26
